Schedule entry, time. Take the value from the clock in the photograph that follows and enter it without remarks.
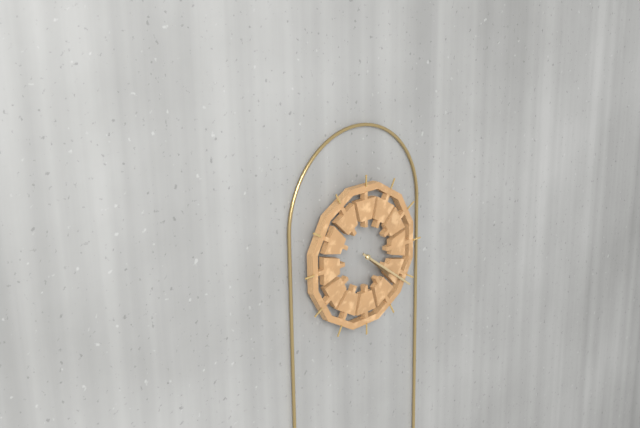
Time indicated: 4:21
